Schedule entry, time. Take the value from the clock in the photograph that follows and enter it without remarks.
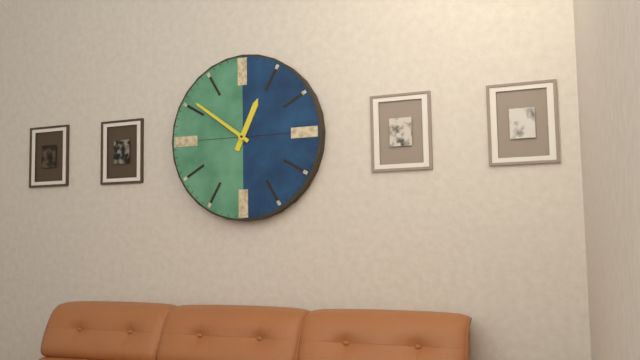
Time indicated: 12:51
